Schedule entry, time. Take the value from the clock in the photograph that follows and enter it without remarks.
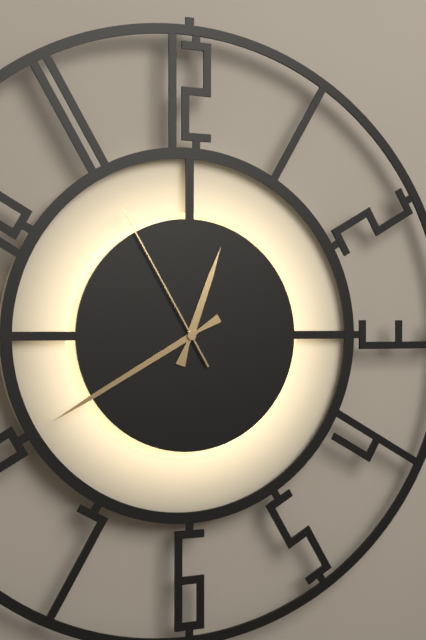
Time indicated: 12:40:55
